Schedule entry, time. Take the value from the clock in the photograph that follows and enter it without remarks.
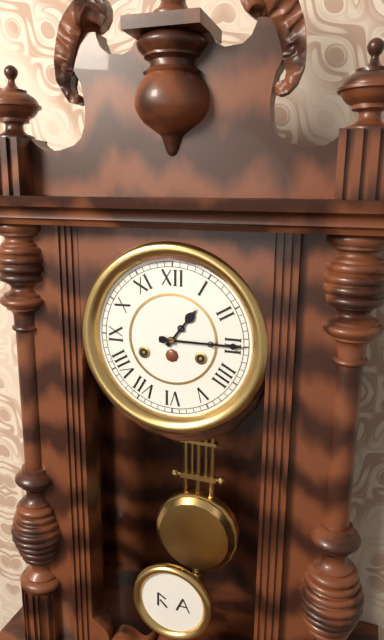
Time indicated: 1:15
